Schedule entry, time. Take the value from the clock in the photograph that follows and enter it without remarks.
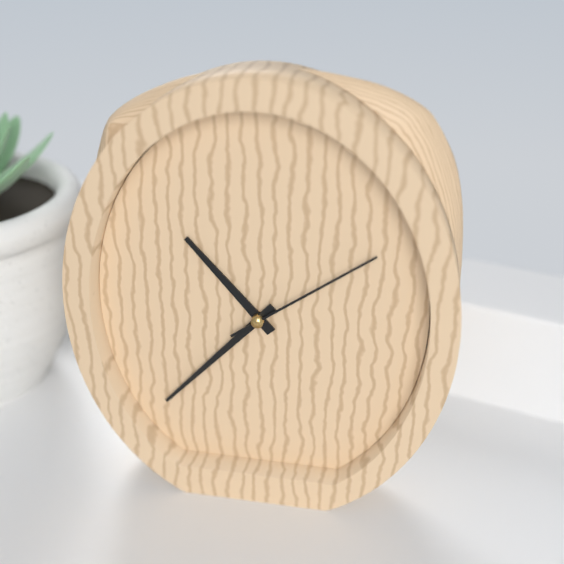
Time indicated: 10:37:09
